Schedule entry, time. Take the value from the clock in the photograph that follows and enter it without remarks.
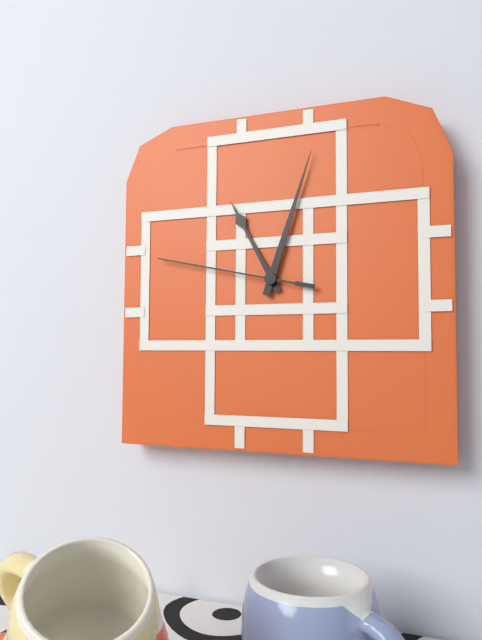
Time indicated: 11:03:47
